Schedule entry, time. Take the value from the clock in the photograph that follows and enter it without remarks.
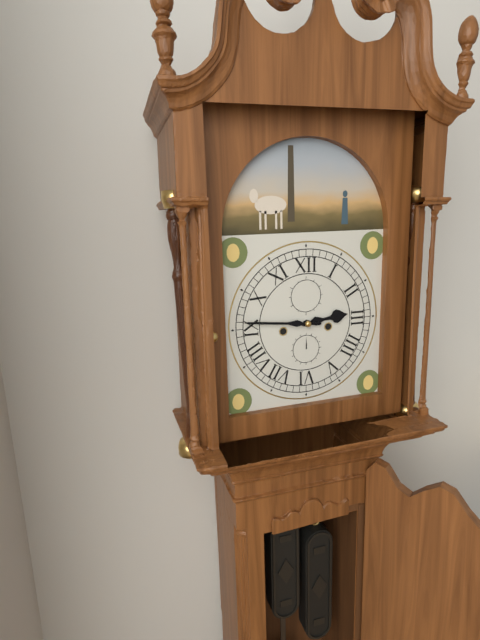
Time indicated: 2:46
